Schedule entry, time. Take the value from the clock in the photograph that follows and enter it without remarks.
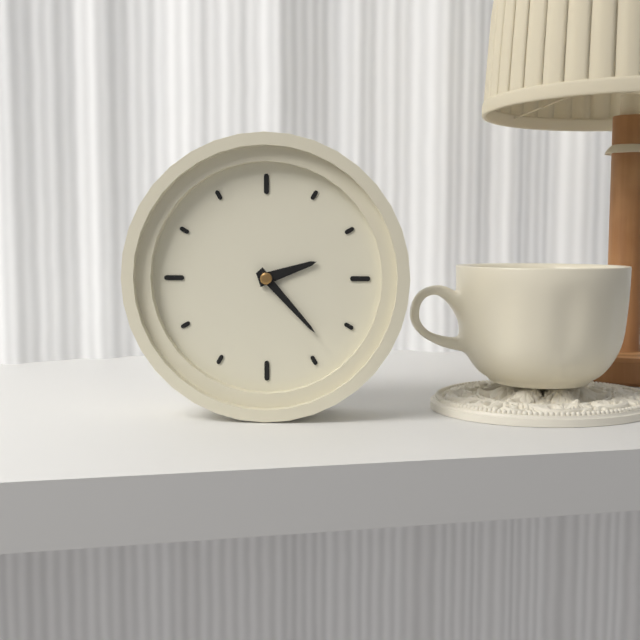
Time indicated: 2:23
